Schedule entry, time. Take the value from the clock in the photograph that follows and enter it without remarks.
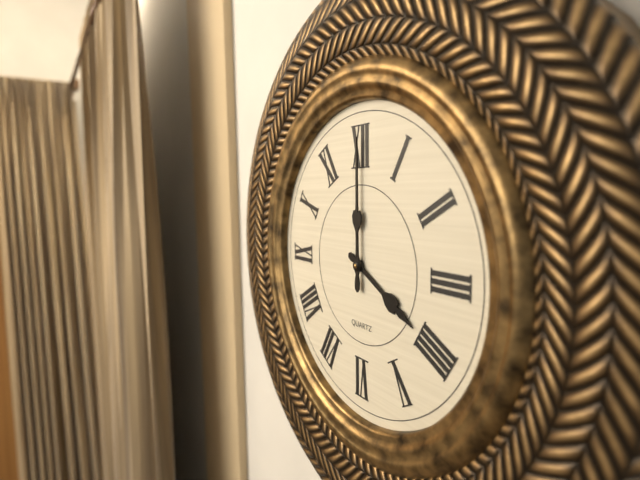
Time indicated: 4:00
